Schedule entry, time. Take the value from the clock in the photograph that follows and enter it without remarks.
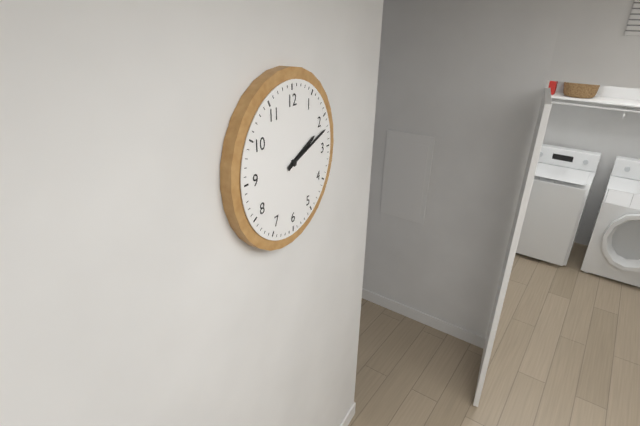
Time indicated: 2:12
